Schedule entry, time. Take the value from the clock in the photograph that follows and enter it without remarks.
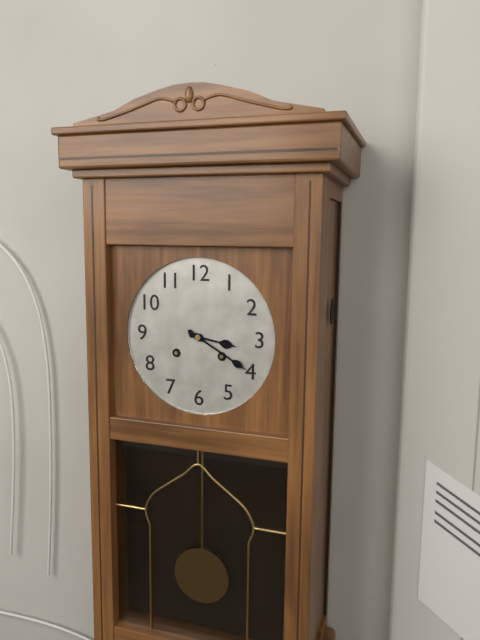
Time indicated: 3:20
